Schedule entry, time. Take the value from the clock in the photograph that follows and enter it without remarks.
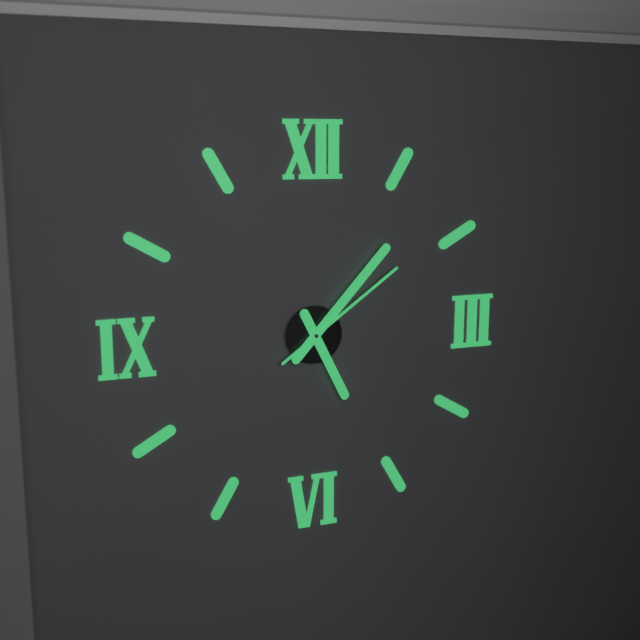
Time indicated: 5:07:09
